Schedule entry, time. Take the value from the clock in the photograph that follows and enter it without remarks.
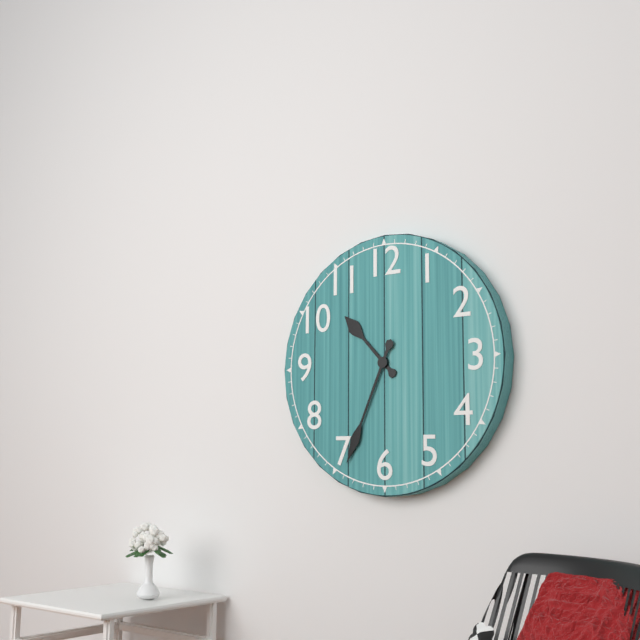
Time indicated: 10:34
